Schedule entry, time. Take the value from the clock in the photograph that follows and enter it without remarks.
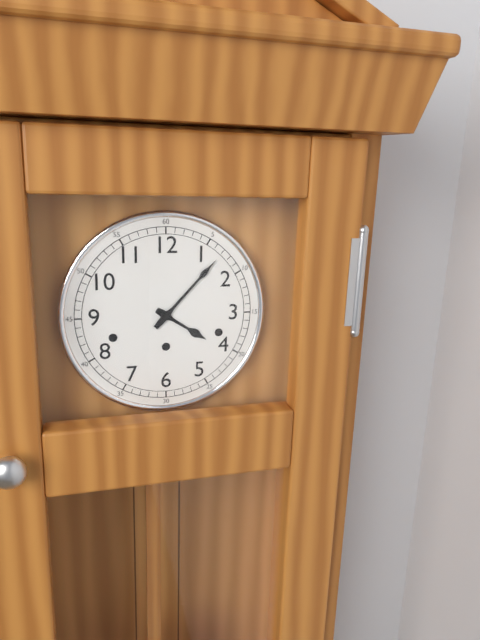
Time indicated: 4:07
